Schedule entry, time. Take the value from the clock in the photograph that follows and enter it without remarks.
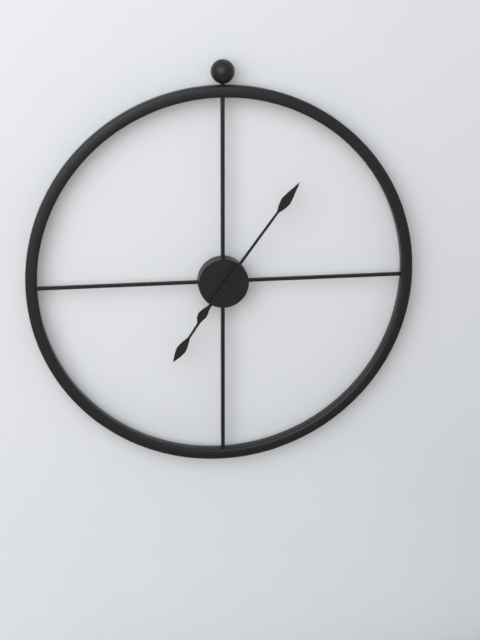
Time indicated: 7:06
